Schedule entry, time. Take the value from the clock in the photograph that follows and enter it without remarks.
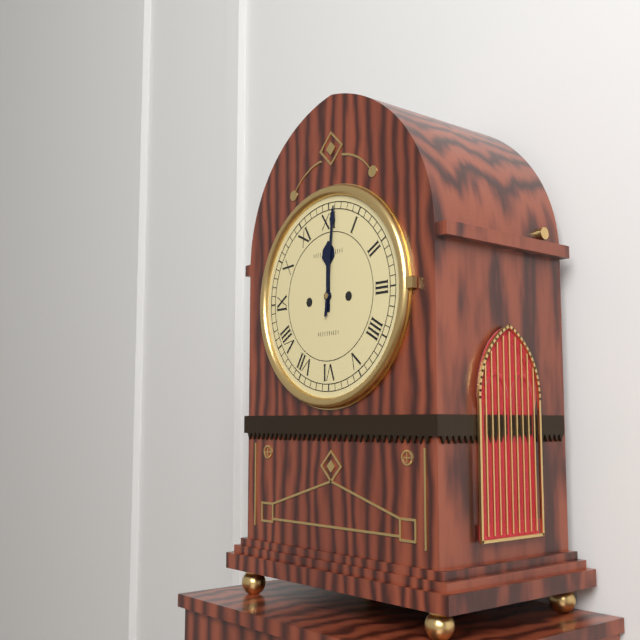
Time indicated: 12:01
